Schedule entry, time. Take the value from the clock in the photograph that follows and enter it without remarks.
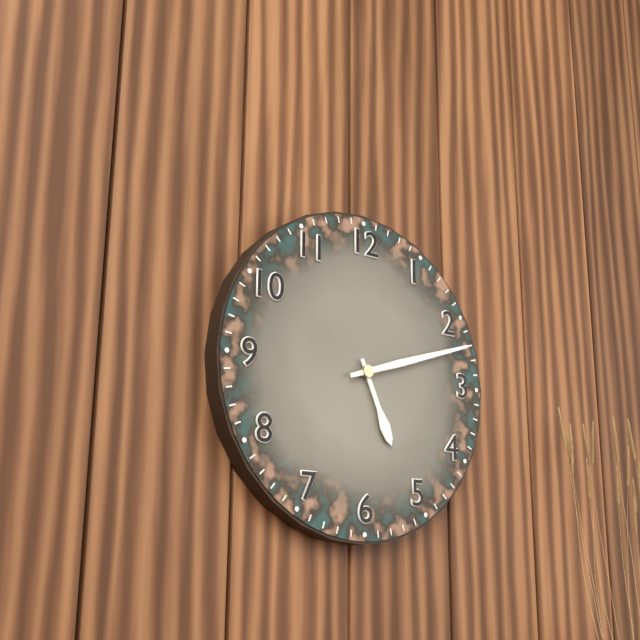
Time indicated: 5:12
